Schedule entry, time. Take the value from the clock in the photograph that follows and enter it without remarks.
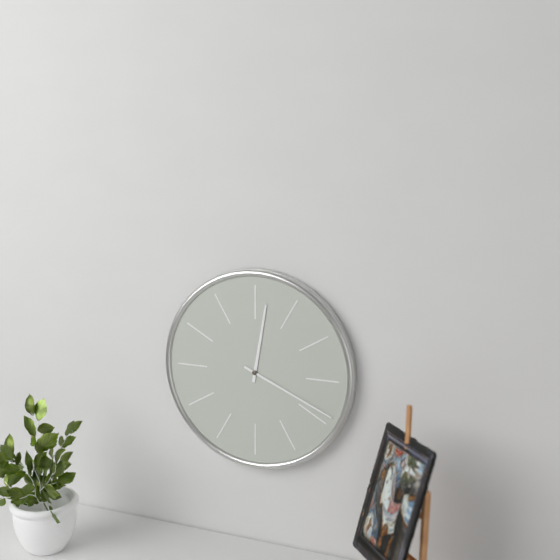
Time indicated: 12:19
